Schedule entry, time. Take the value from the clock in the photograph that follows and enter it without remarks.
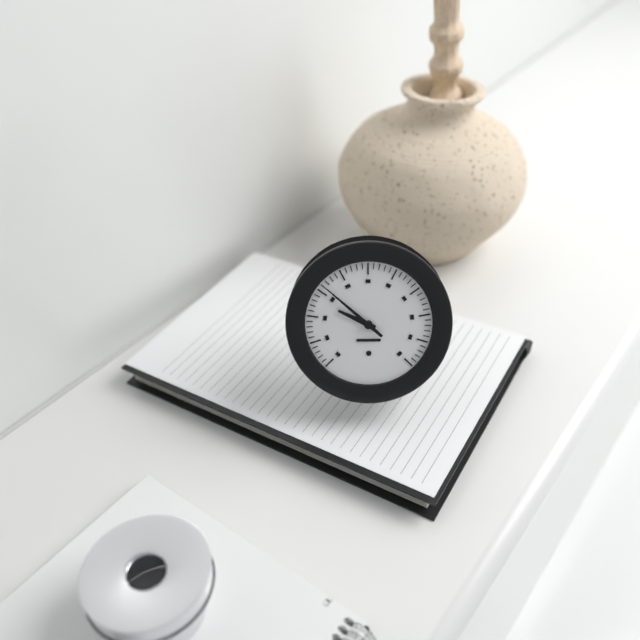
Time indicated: 9:52
